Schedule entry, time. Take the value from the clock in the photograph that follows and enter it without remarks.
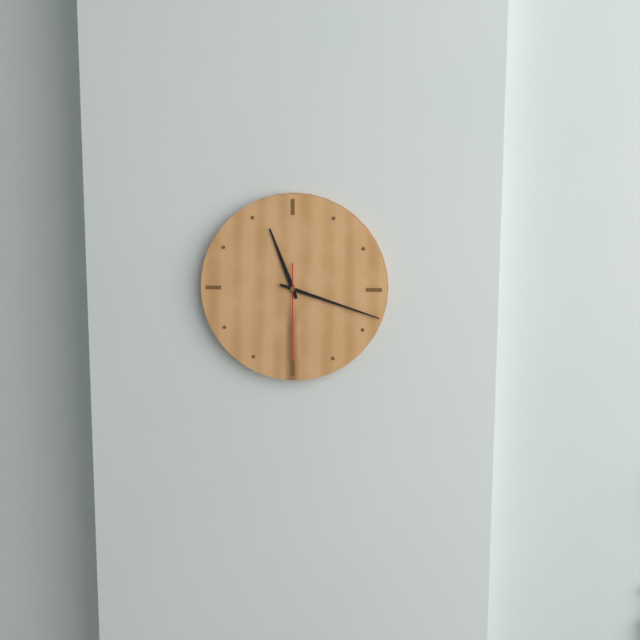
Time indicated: 11:18:30
